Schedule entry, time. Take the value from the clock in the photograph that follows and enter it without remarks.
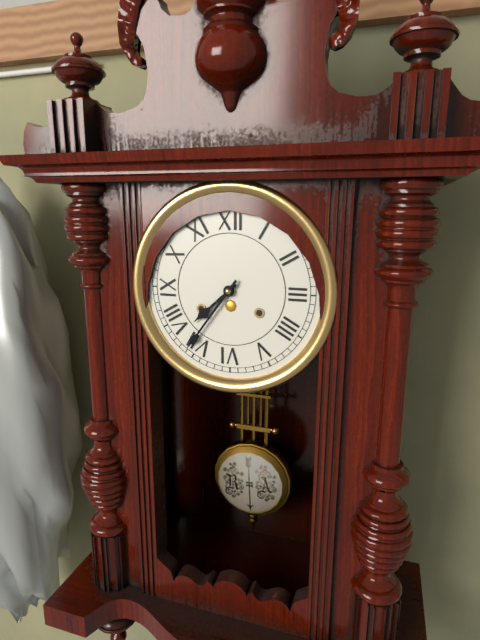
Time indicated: 7:36
